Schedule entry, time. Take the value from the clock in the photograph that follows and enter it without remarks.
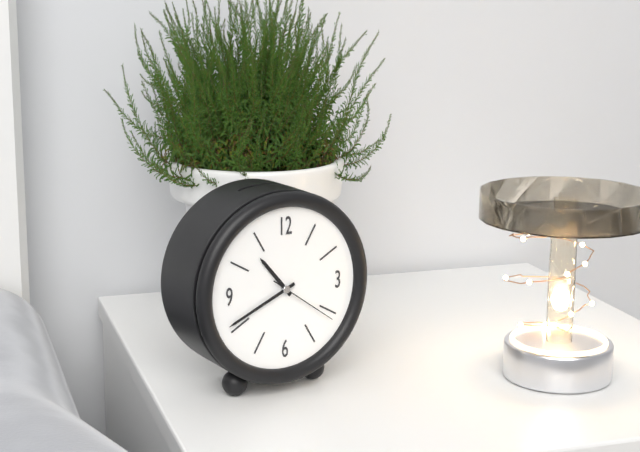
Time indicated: 10:41:21
